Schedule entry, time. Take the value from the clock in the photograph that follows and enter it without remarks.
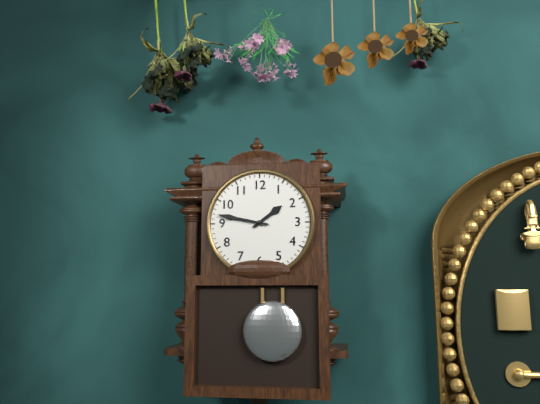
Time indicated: 1:47
